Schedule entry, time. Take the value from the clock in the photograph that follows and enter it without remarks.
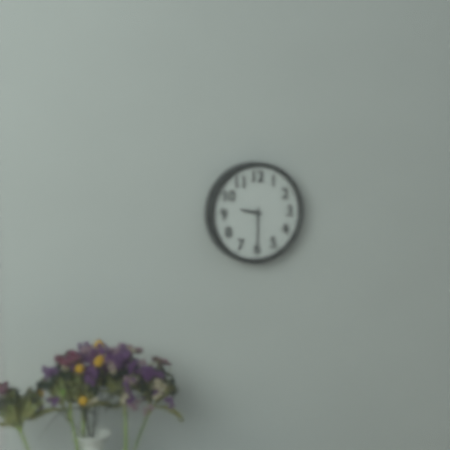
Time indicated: 9:30
